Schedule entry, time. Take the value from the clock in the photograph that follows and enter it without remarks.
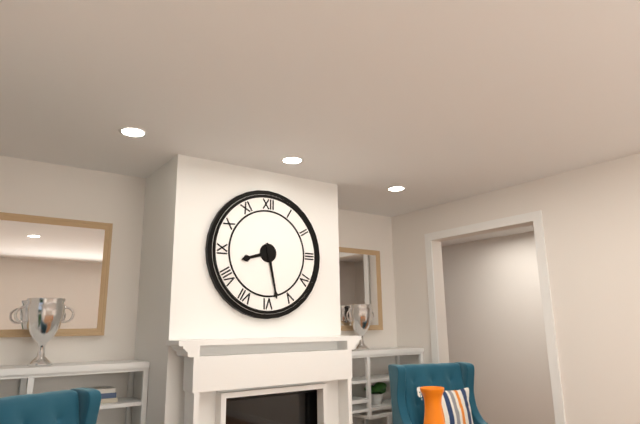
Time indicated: 8:28
